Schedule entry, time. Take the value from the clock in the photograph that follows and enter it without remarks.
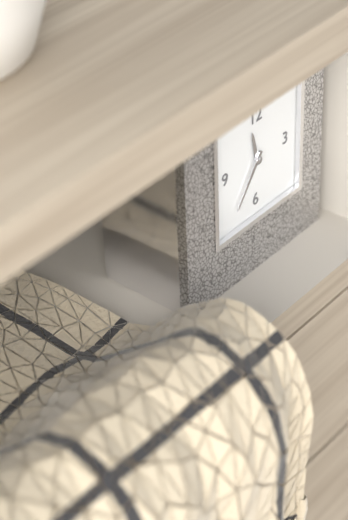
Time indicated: 11:36
